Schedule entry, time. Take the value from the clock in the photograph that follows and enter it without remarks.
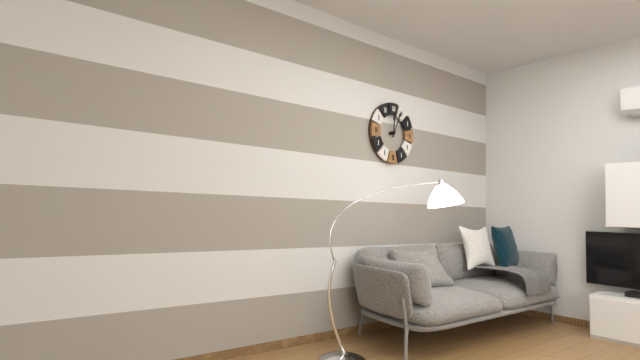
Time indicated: 12:04
